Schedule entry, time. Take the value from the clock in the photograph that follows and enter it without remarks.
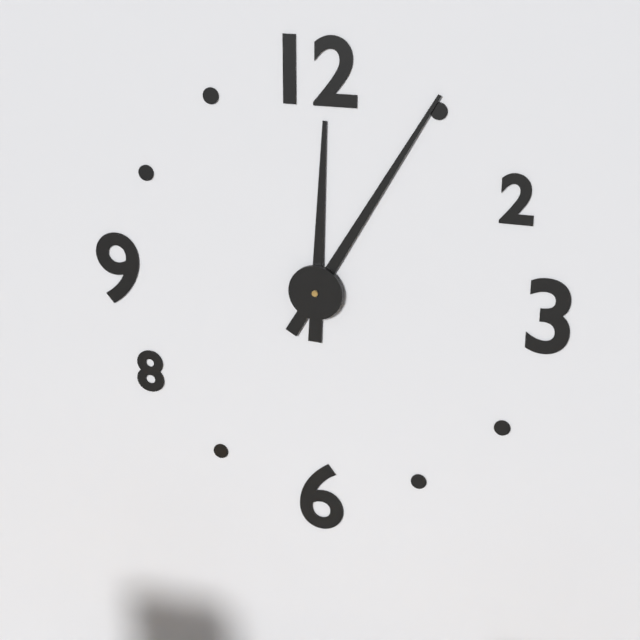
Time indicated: 12:05
